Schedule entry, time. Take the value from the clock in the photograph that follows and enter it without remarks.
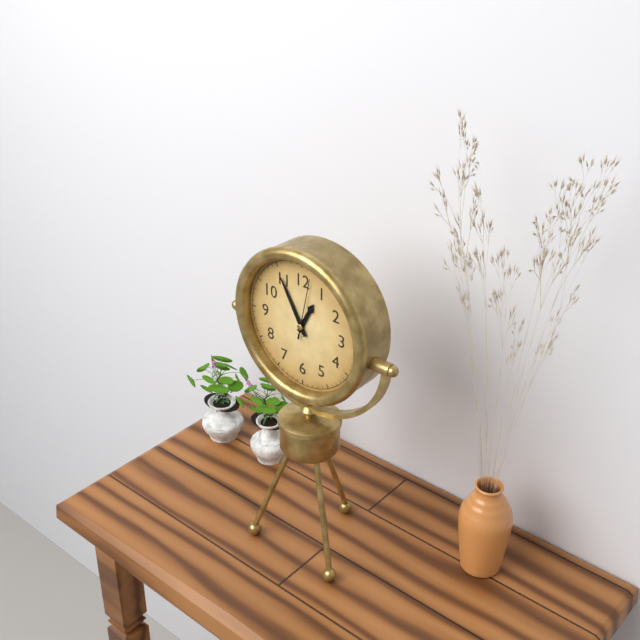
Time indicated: 12:55:02
